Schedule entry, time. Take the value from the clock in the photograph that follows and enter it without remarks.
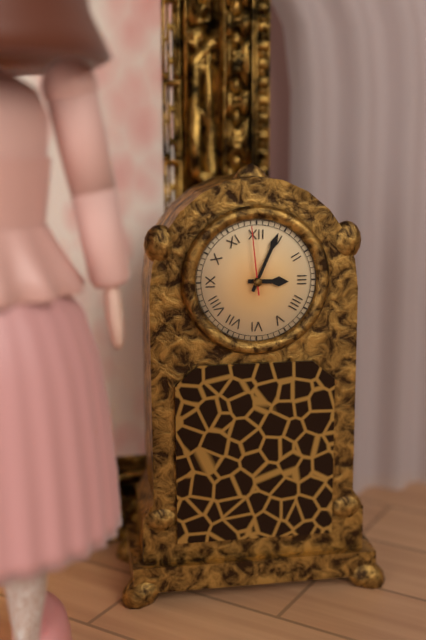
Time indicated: 3:04:59
